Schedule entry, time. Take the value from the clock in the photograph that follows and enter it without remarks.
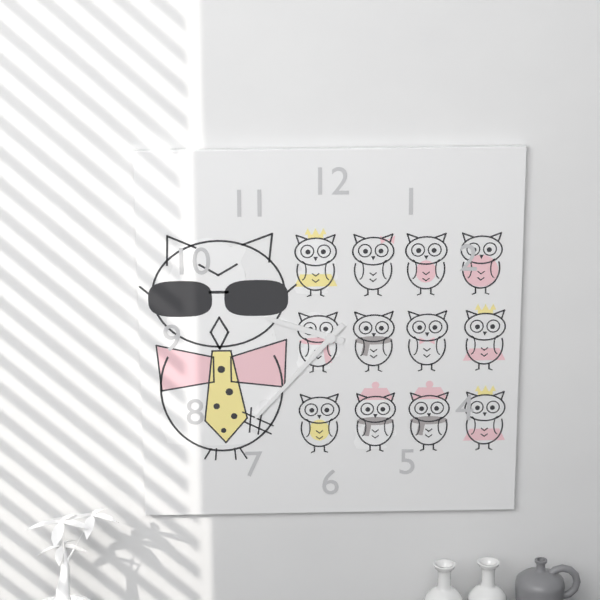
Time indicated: 9:37
